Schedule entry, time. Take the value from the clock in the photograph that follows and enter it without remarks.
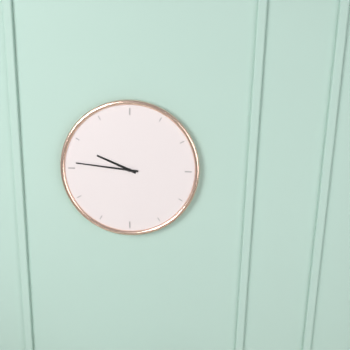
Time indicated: 9:46
